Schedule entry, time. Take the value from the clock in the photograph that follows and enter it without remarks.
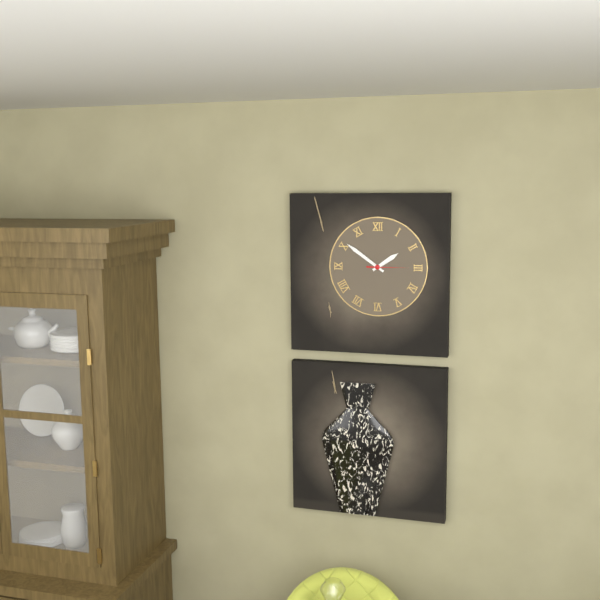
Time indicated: 1:51
